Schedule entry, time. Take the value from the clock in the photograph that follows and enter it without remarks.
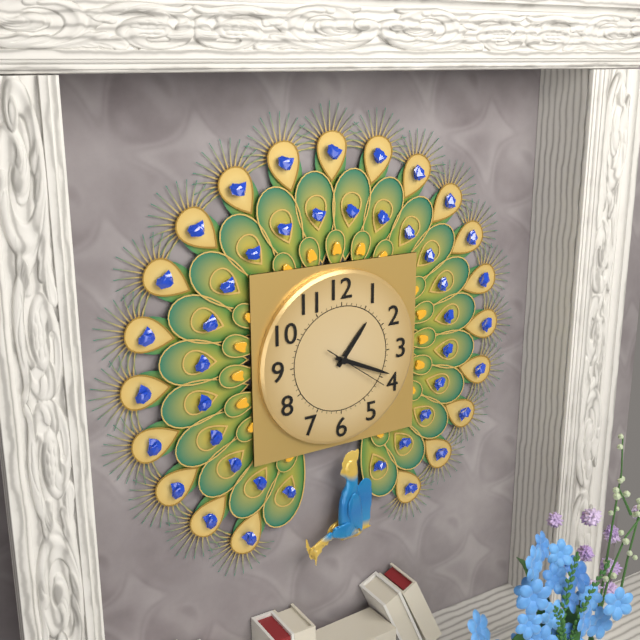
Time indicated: 1:19:21
